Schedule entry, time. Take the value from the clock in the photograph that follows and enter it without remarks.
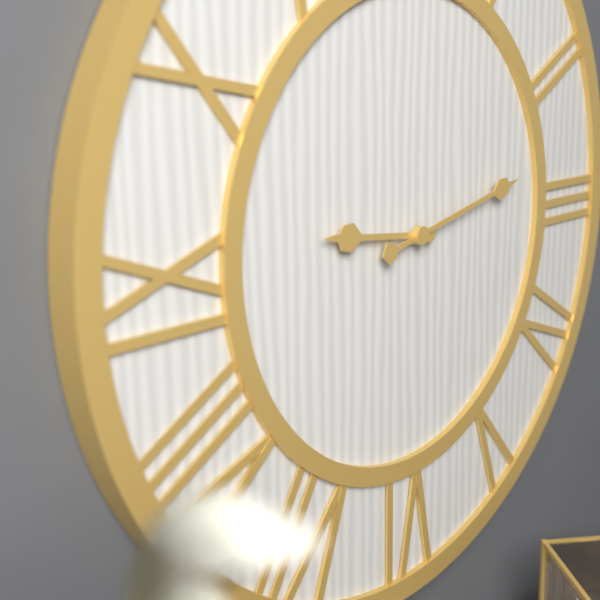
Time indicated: 9:13
